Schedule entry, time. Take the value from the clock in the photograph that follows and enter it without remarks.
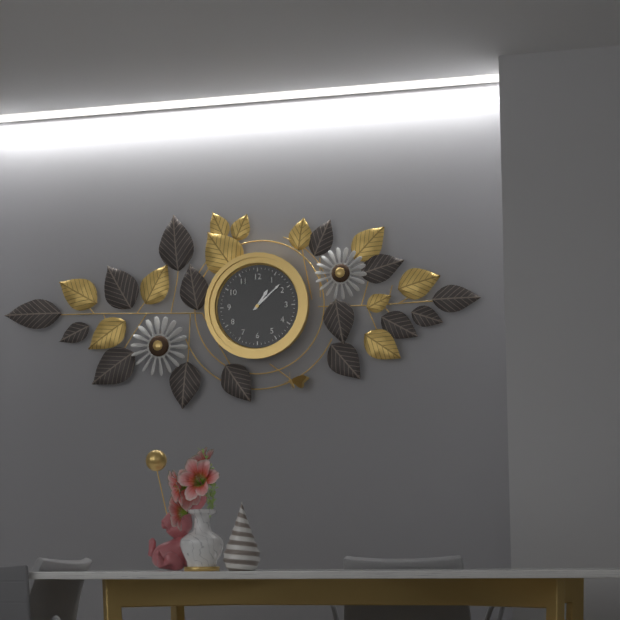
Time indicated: 1:08
